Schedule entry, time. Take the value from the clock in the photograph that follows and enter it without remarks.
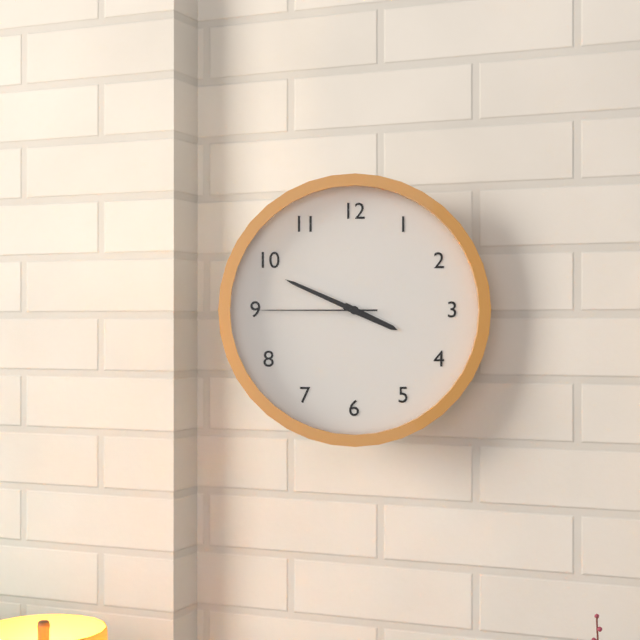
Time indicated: 3:49:45
